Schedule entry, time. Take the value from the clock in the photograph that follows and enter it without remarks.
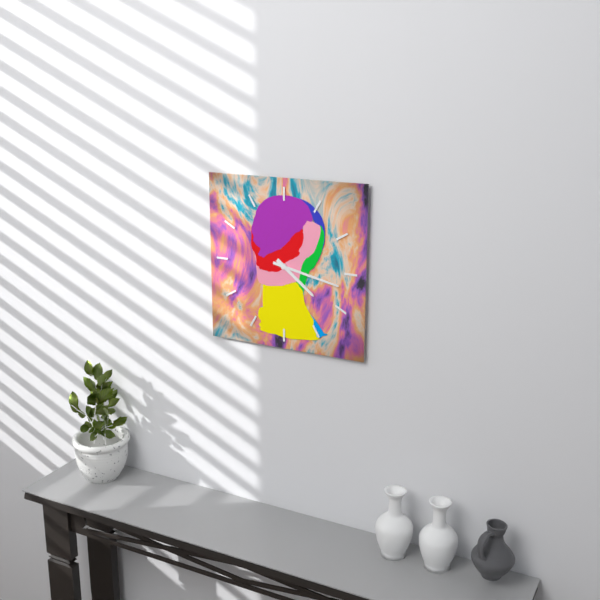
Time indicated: 4:17
